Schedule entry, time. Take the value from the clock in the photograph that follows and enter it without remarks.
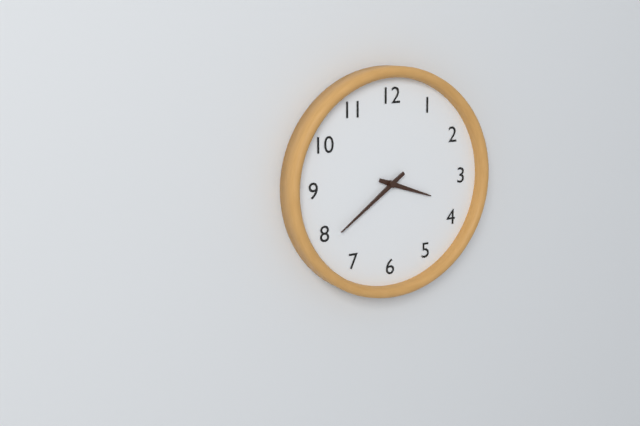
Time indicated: 3:39
